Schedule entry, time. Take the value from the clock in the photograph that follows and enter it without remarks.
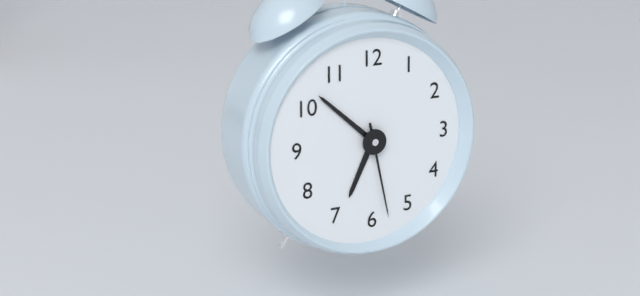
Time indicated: 6:52:28
